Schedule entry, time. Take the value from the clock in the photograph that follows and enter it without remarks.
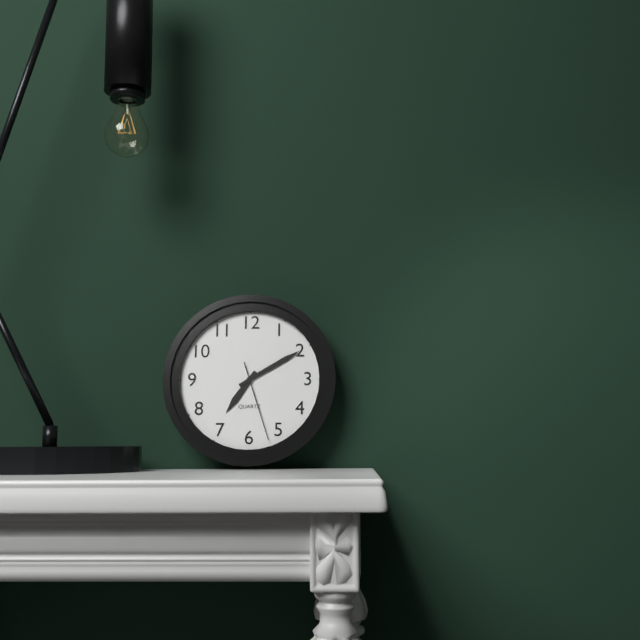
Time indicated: 7:10:27
